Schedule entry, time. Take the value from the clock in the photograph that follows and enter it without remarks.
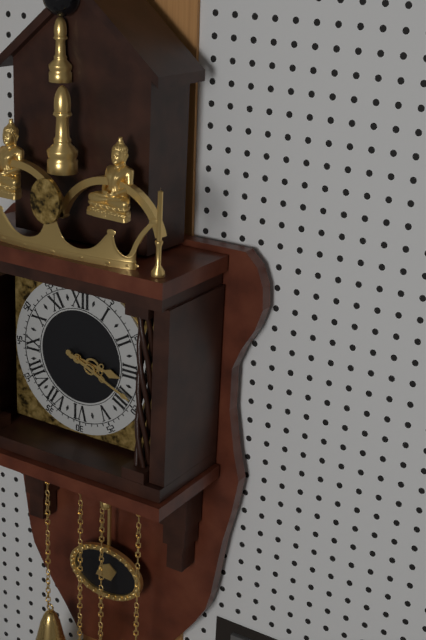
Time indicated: 3:19
